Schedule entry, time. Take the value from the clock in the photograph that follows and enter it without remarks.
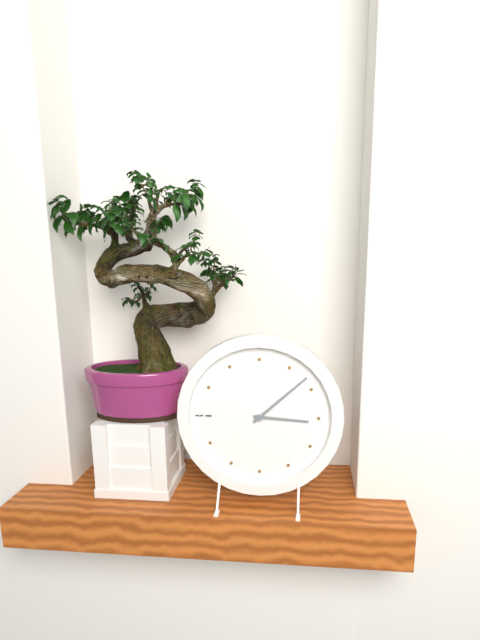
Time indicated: 3:08
